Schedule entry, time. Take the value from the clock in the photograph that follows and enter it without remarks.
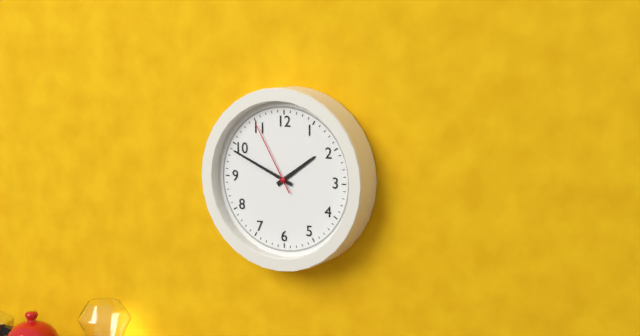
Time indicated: 1:49:55
